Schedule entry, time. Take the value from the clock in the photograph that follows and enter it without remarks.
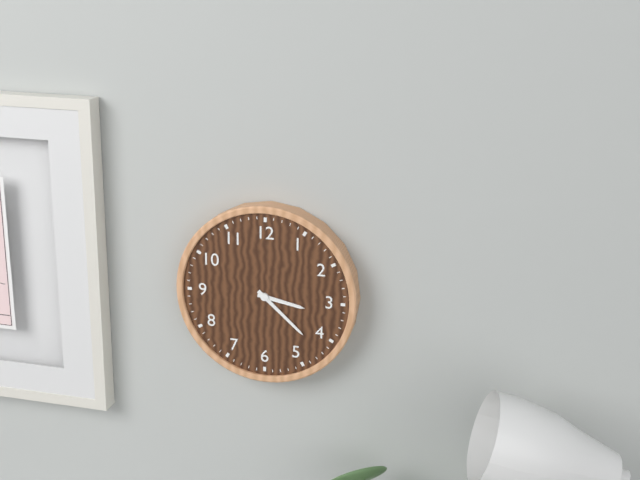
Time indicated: 3:22
